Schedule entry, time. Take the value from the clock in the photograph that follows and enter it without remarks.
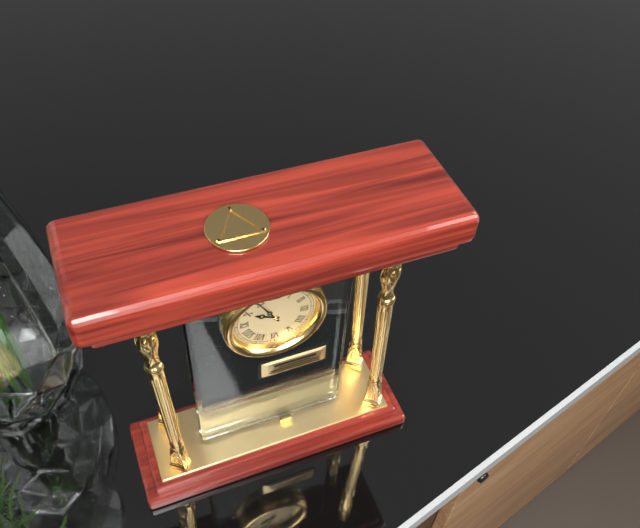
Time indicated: 9:55
